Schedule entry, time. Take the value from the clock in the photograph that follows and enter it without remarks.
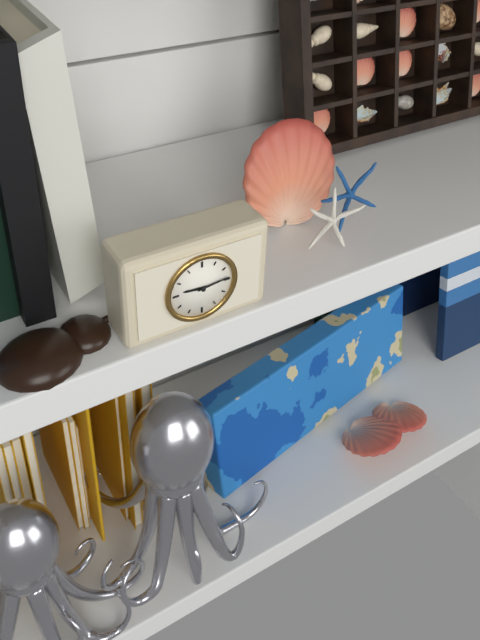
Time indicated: 9:14
